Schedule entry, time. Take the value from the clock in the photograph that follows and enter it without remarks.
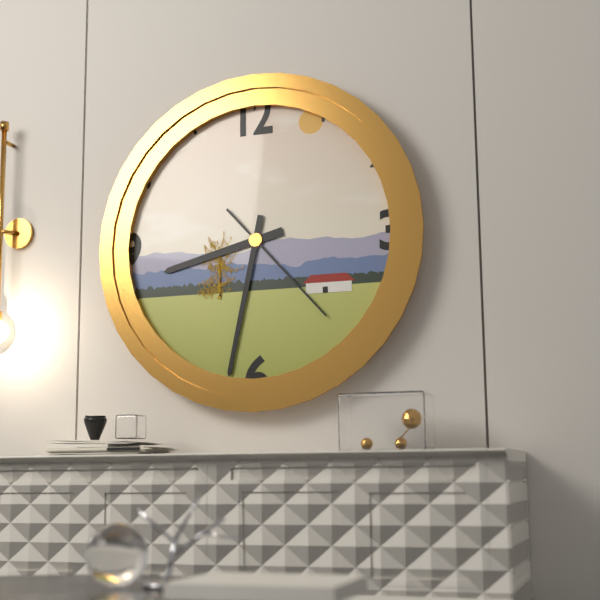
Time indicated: 8:32:23
